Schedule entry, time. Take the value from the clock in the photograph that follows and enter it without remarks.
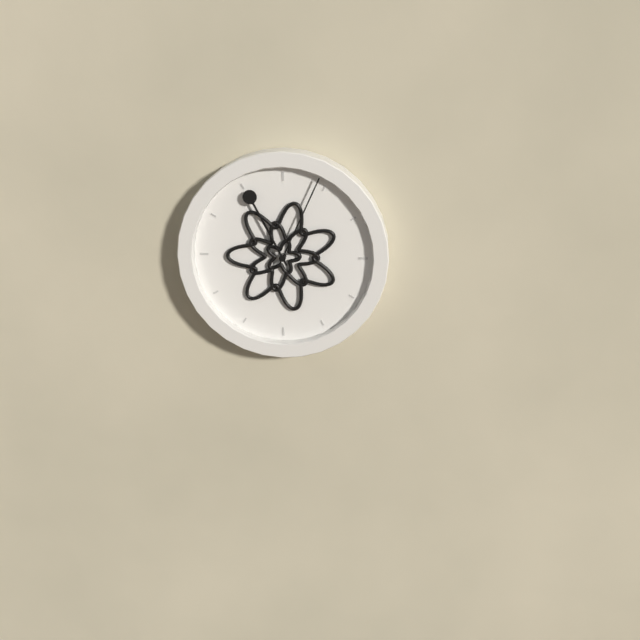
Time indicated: 11:04
